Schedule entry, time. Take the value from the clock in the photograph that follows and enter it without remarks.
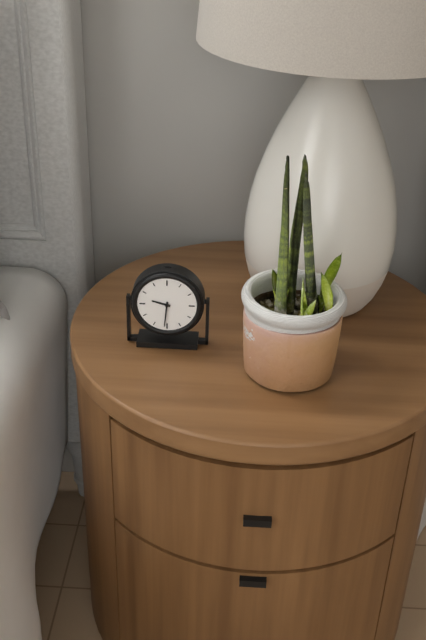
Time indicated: 9:31
